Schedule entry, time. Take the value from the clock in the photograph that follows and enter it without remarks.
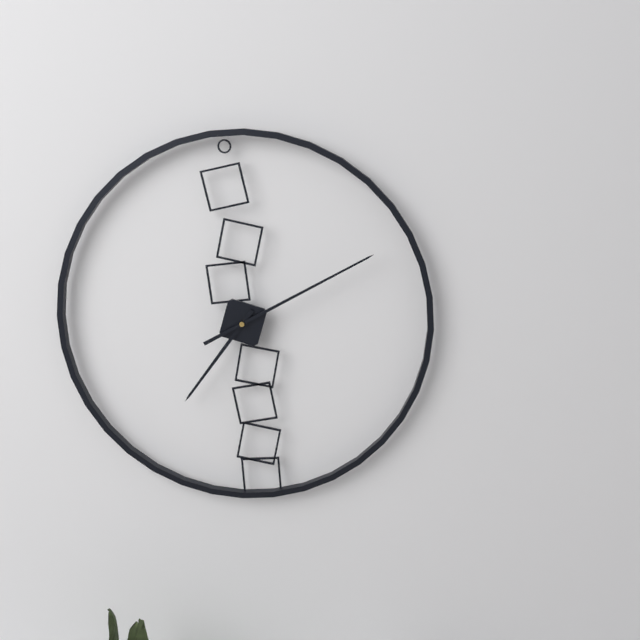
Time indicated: 7:10
